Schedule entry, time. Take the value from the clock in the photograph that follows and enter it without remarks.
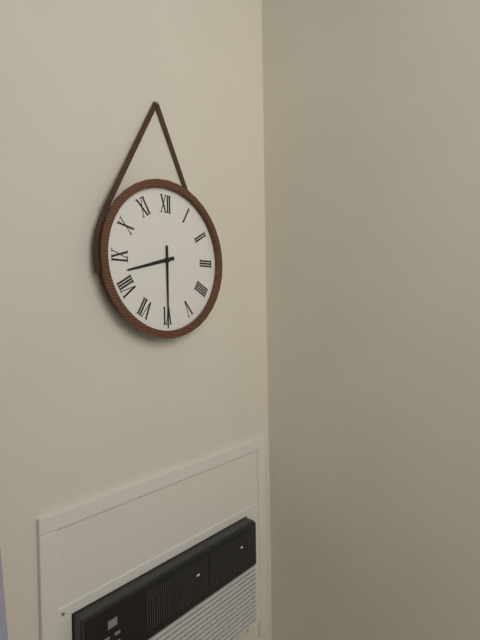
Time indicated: 8:30
